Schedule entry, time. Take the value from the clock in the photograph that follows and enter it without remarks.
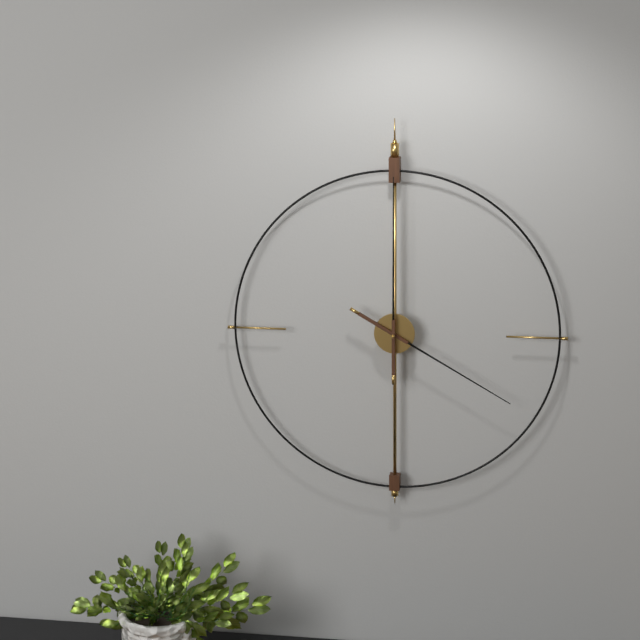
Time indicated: 4:00
